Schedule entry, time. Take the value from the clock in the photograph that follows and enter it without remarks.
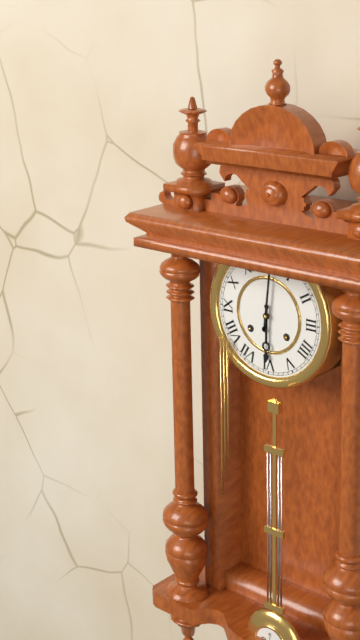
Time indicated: 6:01
